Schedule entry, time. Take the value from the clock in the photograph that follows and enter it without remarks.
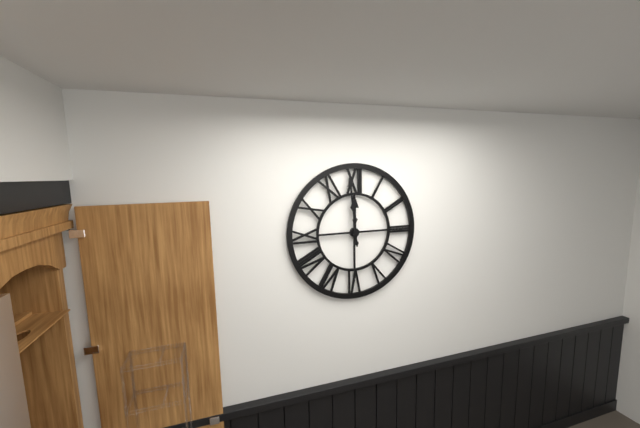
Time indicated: 11:59
